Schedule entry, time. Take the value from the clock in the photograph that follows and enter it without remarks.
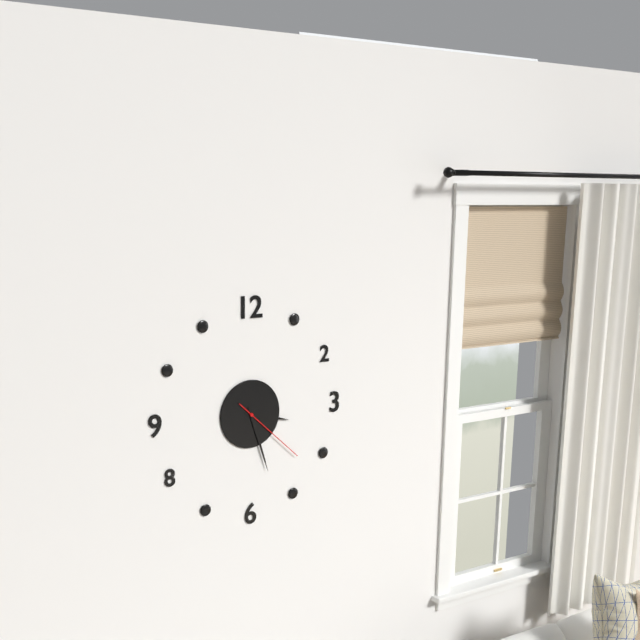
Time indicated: 3:27:22
